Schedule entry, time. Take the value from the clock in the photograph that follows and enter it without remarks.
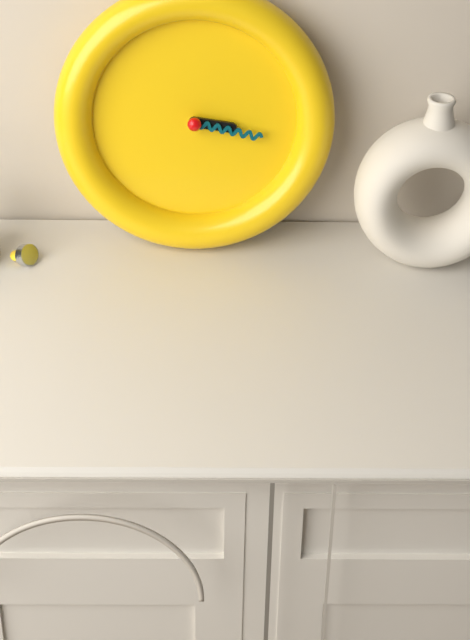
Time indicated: 3:17
